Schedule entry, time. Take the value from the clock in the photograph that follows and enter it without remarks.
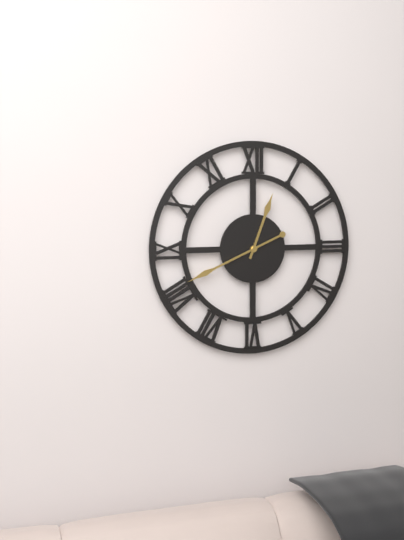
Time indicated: 12:41
